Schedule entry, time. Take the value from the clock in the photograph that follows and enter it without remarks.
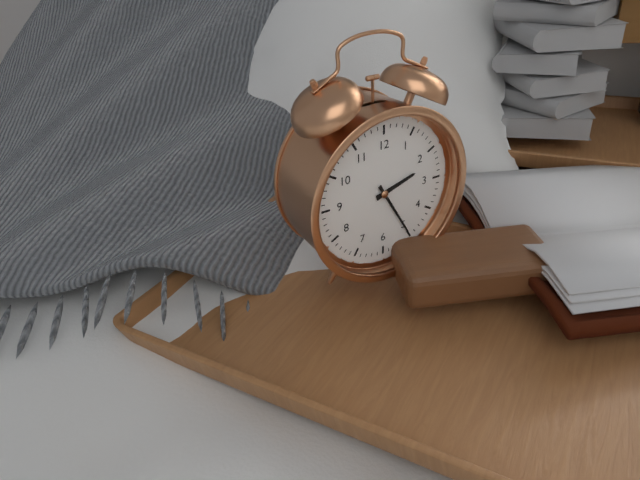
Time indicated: 2:25
